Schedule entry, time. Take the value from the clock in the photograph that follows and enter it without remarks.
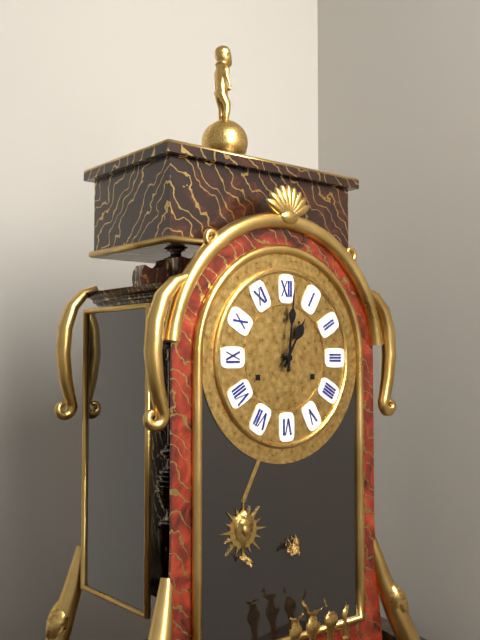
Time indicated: 1:01
